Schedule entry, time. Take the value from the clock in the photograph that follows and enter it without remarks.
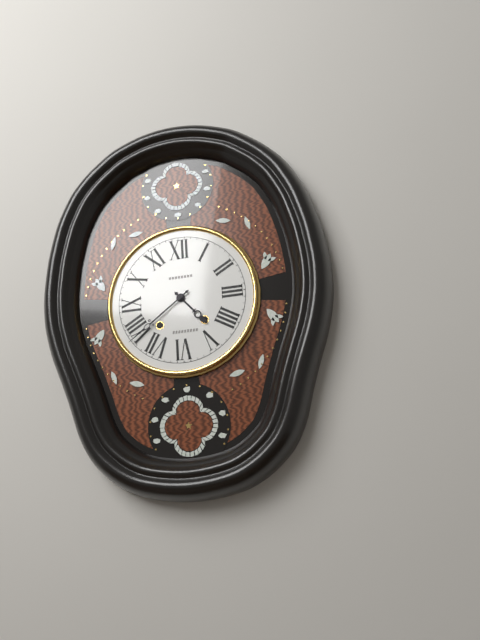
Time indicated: 4:39
